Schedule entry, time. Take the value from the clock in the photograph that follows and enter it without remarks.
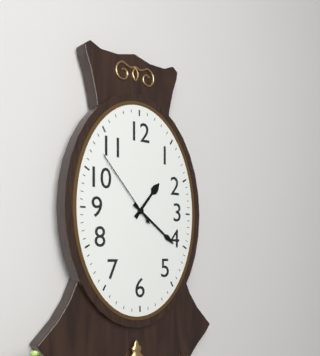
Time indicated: 1:21:53
